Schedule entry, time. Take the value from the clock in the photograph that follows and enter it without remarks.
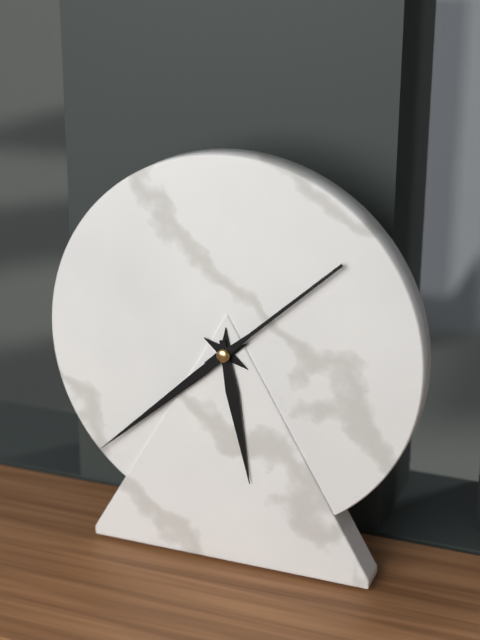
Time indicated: 5:38
